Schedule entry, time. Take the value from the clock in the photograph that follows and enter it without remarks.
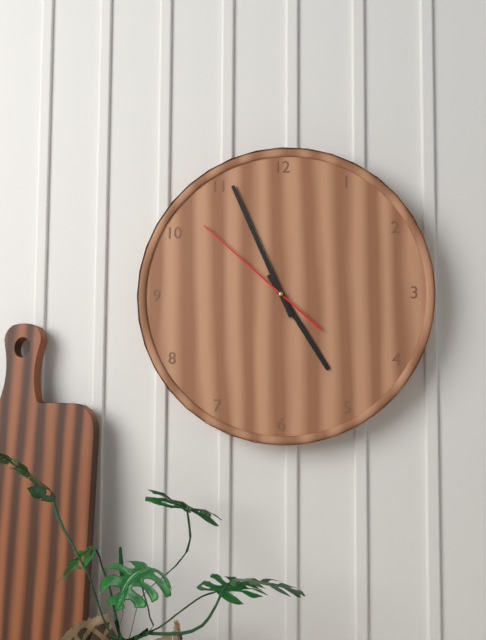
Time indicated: 4:56:52
